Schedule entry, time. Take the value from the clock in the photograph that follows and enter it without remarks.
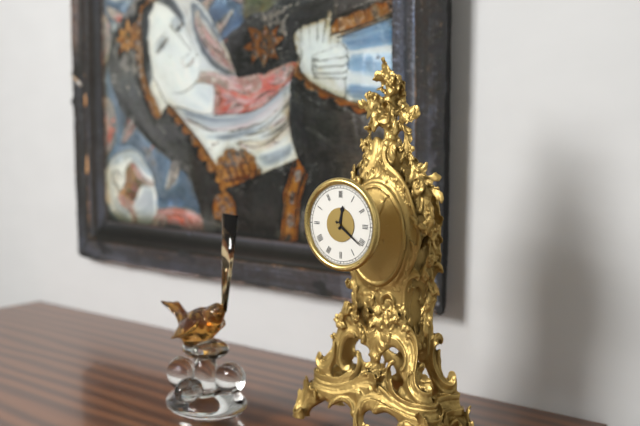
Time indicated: 12:21
